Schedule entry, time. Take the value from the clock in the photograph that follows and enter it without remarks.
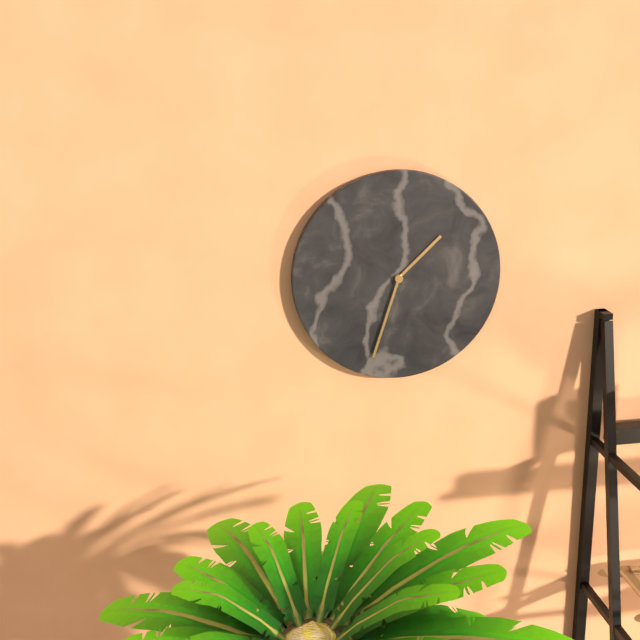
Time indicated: 1:33
